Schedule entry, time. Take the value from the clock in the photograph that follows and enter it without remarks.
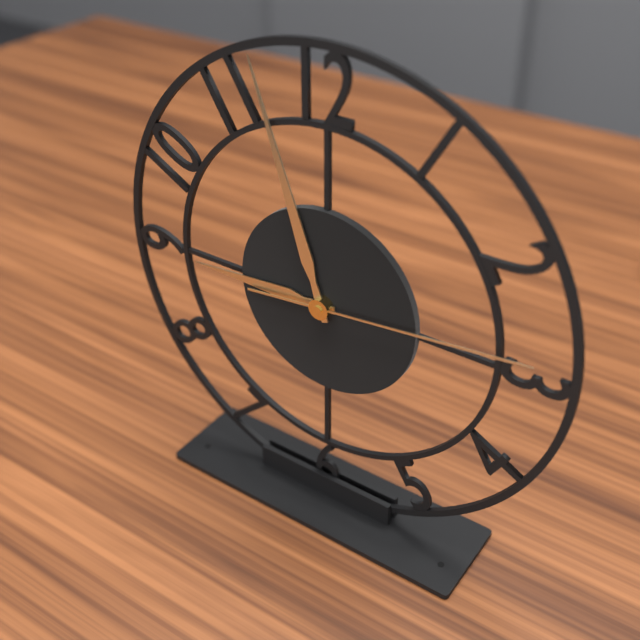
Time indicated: 8:57:14
